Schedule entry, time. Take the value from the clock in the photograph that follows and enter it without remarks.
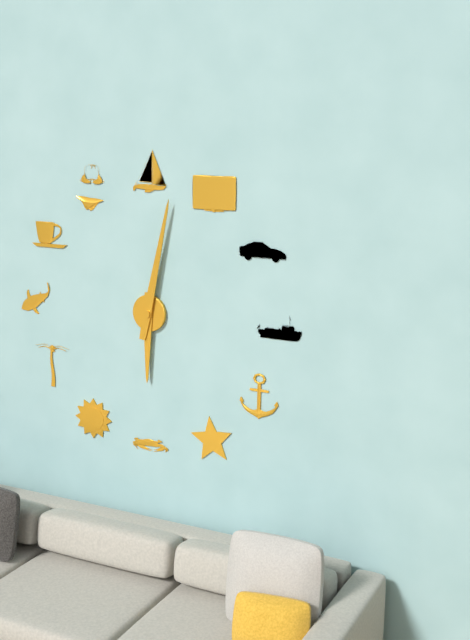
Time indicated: 6:02
